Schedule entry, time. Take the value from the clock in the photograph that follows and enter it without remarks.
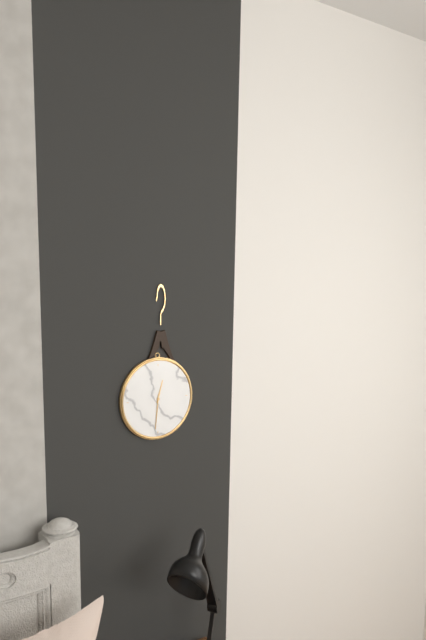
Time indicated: 12:31
